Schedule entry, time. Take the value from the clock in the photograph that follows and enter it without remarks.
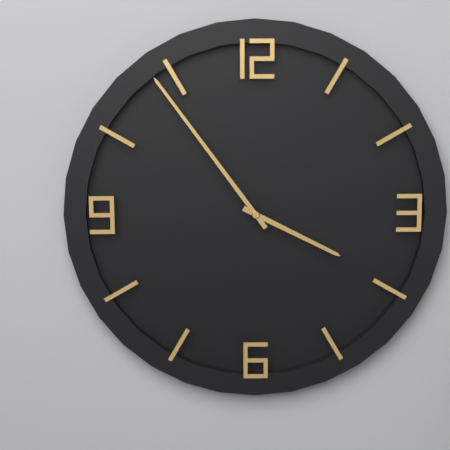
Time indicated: 3:54
